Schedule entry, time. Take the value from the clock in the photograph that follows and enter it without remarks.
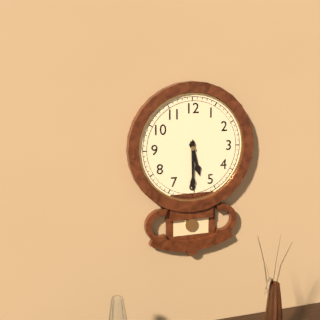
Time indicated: 5:30
